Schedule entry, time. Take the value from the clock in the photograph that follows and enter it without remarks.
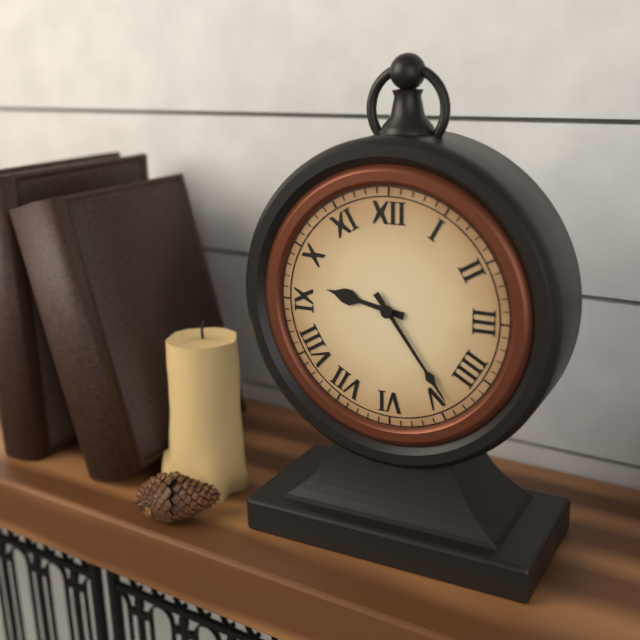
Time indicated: 9:24
